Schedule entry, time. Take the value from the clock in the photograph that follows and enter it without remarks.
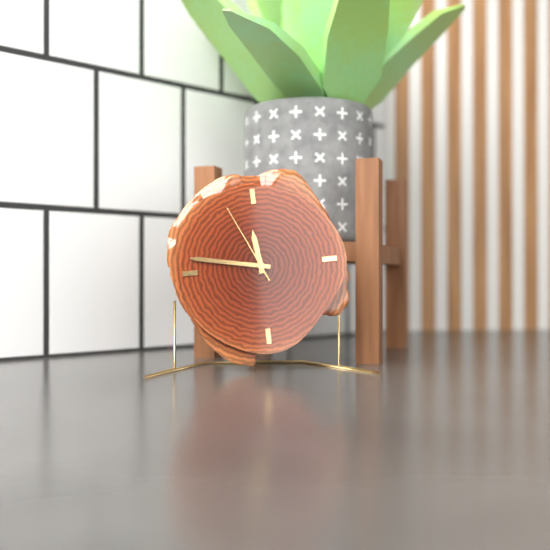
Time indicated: 11:47:56
